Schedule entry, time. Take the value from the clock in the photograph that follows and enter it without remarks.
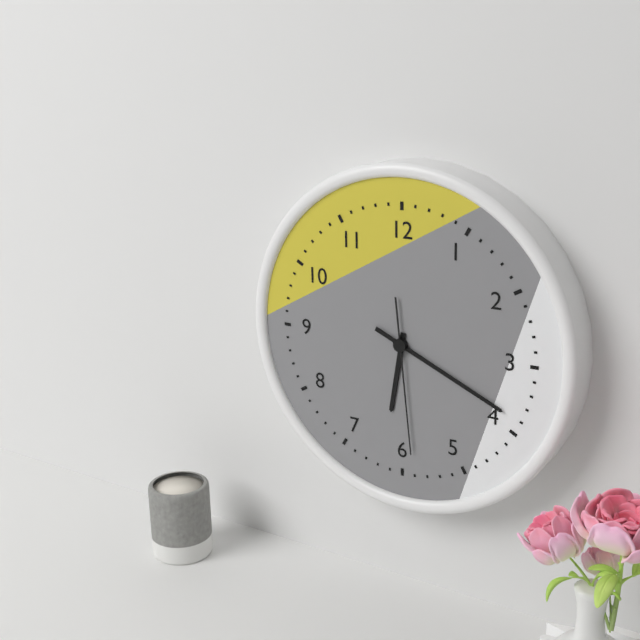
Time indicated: 6:19:29
